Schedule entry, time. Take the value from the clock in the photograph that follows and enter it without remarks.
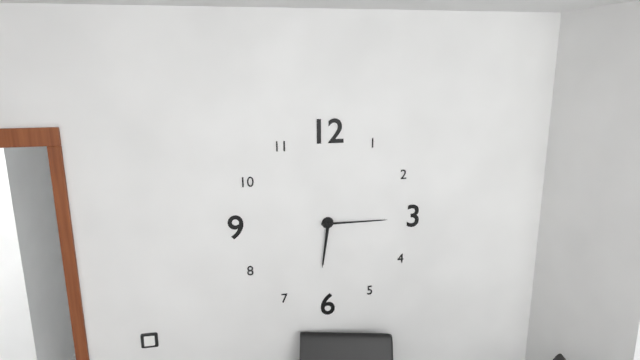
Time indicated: 6:15
